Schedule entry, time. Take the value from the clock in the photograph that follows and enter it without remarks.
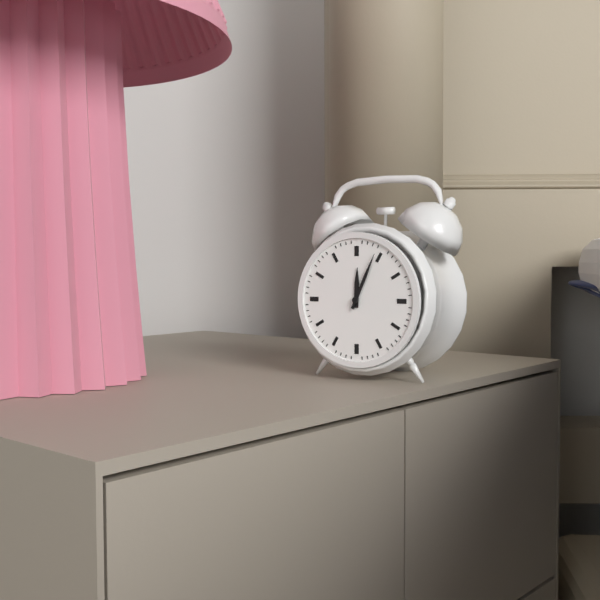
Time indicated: 12:04
